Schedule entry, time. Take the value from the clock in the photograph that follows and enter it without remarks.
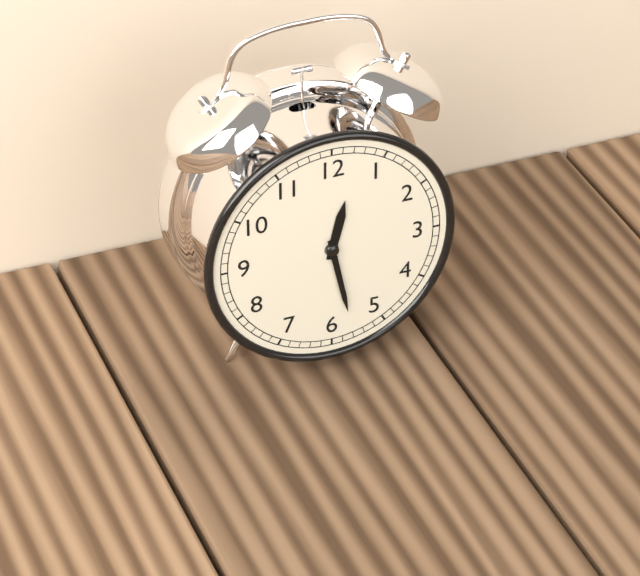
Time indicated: 12:28
